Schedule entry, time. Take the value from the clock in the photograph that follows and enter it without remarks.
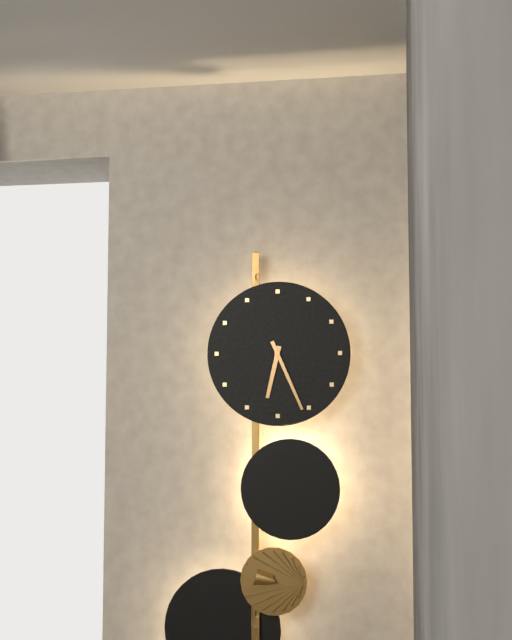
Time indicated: 6:26
